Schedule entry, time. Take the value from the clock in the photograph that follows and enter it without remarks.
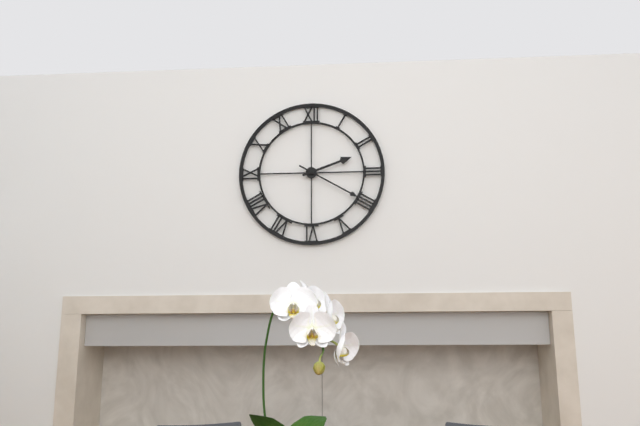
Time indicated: 2:20
